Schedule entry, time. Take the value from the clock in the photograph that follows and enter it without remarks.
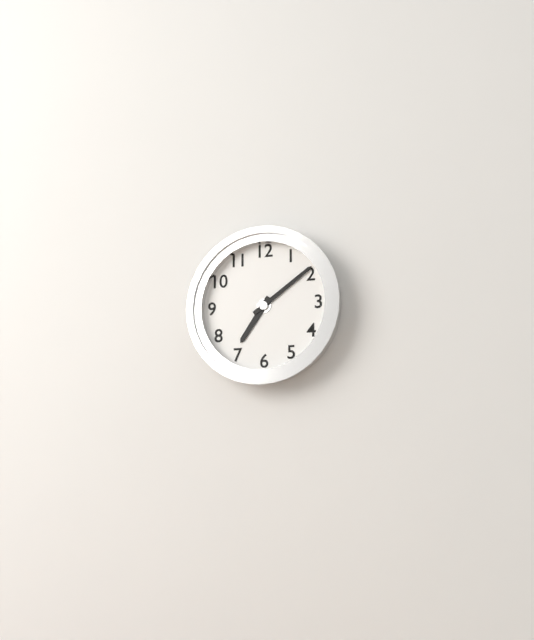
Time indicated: 7:09
